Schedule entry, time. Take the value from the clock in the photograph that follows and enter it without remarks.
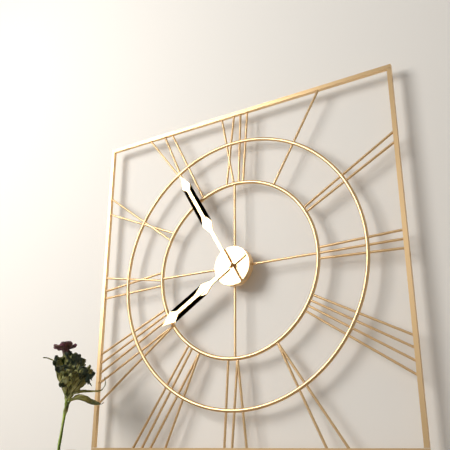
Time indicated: 7:55
